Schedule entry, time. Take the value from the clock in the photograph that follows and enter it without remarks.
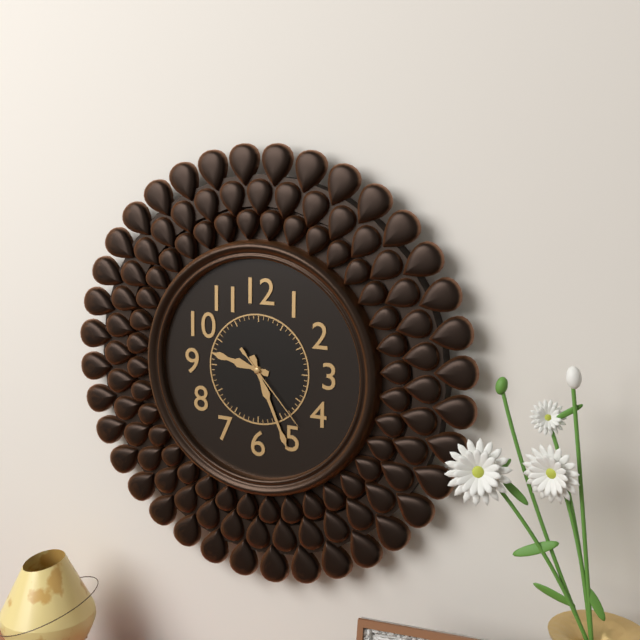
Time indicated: 9:26:23
